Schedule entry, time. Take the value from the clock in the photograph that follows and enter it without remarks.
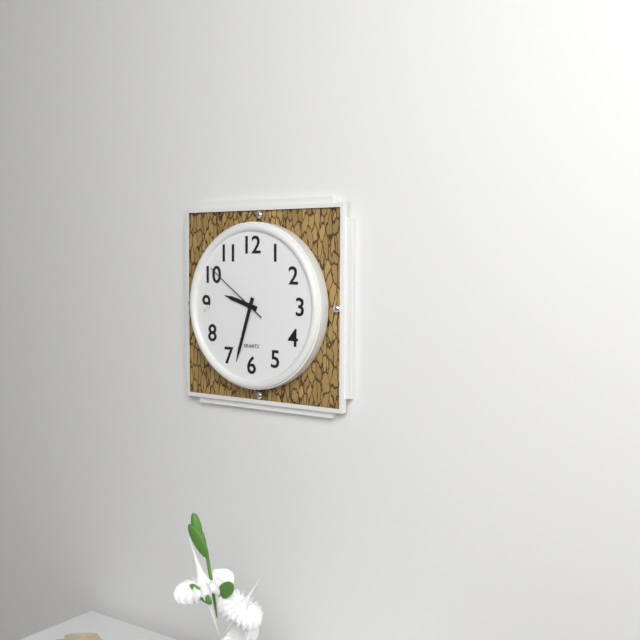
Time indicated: 9:33:51
